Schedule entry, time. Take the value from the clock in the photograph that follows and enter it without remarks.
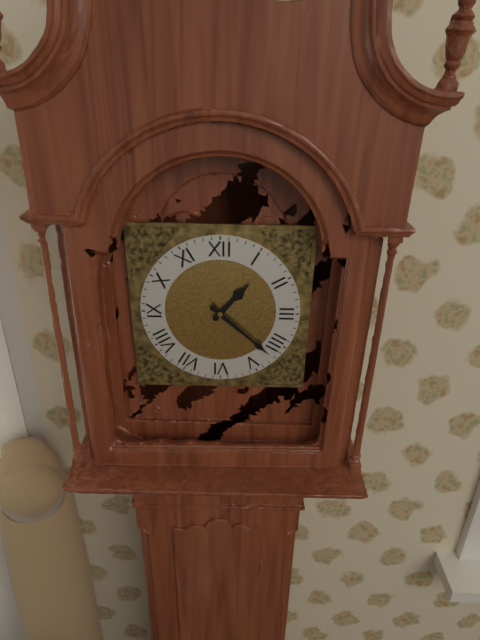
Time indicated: 1:22
